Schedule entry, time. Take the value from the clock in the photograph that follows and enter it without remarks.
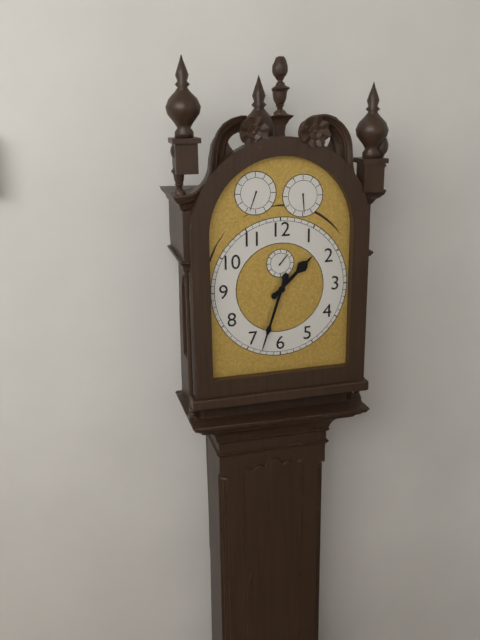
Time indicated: 1:33
